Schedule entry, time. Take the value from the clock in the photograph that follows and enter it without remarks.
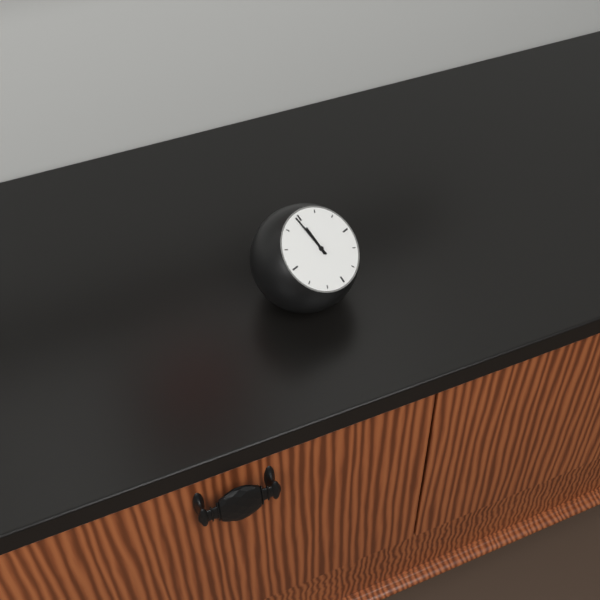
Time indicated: 11:59
